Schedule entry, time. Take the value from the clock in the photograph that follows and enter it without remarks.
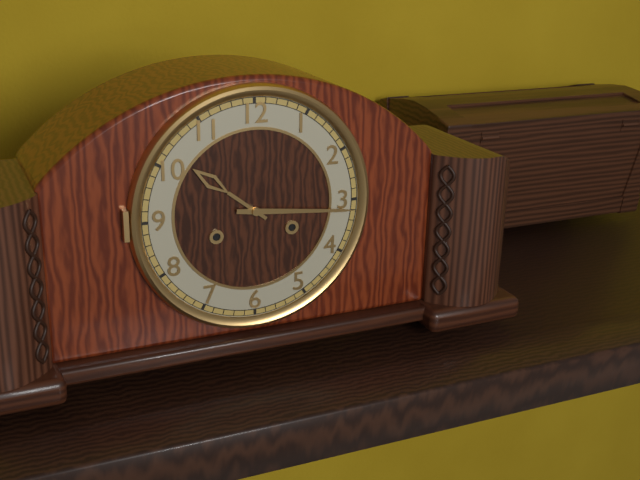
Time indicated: 10:16
